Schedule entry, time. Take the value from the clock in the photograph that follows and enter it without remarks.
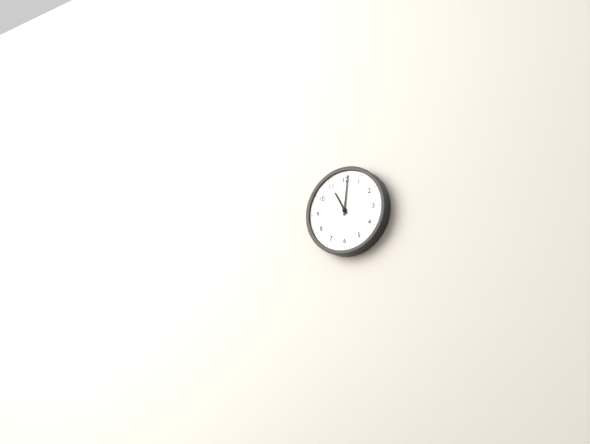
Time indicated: 11:01
